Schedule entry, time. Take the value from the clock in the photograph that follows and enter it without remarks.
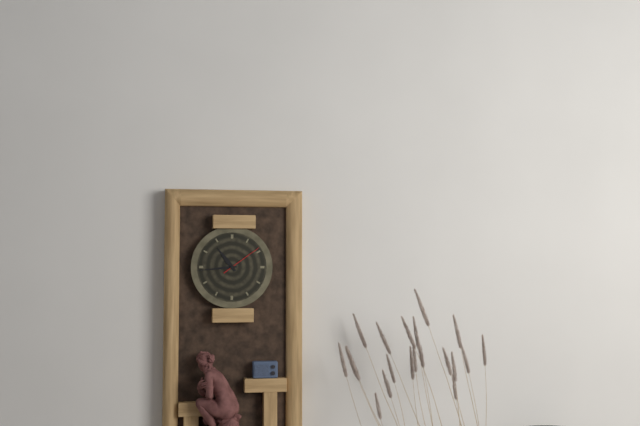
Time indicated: 10:44
